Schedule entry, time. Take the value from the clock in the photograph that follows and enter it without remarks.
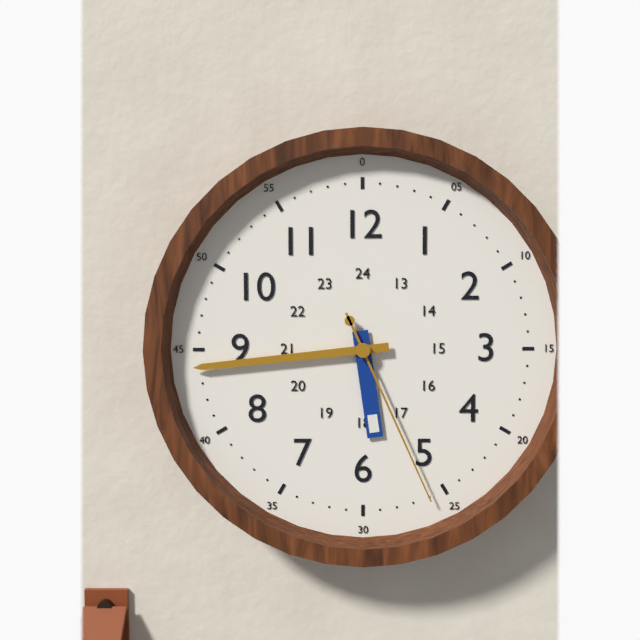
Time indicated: 5:44:26
